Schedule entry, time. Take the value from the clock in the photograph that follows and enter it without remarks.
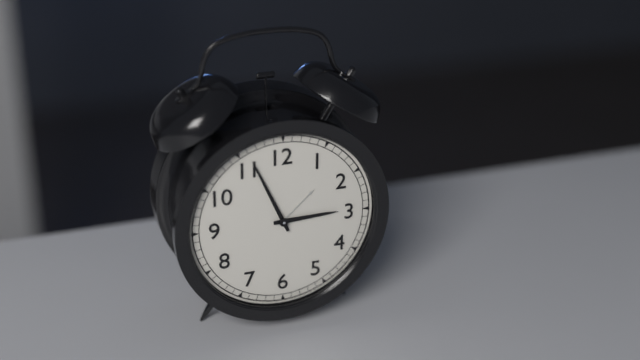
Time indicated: 2:56
